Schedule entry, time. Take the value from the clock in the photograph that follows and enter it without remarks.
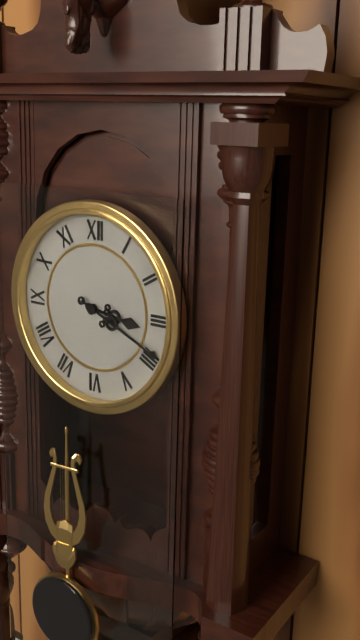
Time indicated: 3:19
